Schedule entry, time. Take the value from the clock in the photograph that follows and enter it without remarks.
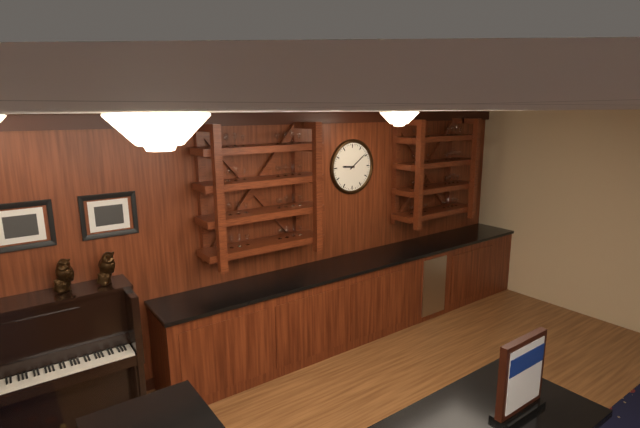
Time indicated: 9:09
